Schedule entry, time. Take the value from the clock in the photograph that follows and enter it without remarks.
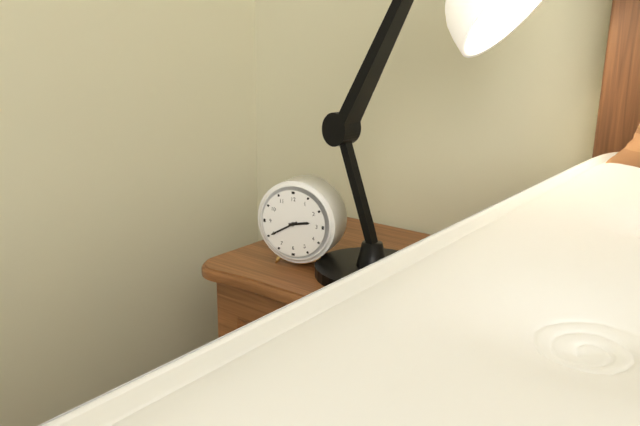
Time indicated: 2:40
